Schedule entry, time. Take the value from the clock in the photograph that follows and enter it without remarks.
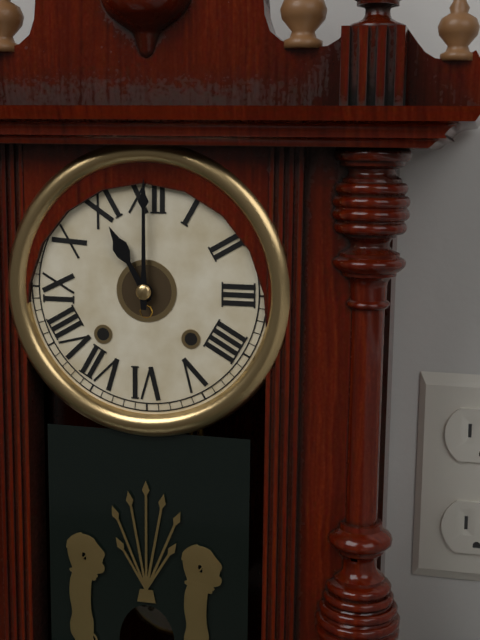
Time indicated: 11:00
